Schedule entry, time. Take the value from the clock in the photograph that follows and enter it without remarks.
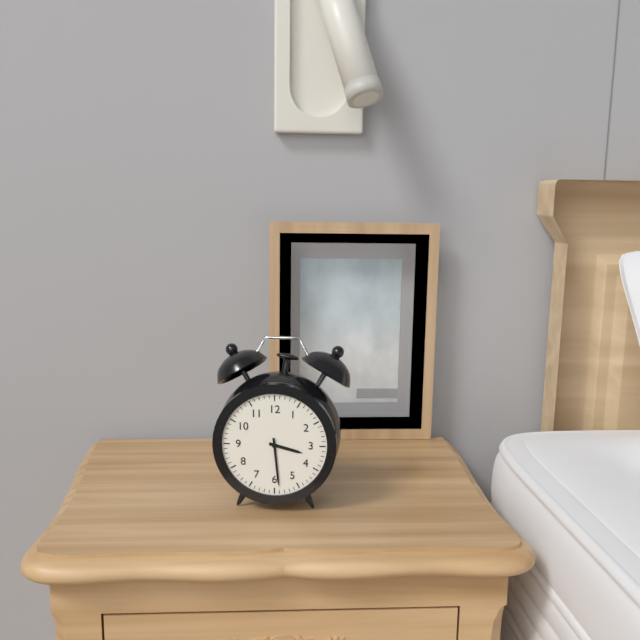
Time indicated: 3:29
